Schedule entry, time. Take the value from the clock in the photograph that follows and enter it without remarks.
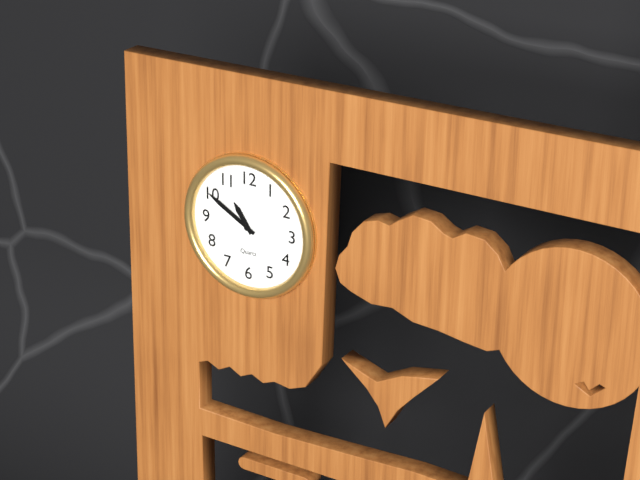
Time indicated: 10:50
